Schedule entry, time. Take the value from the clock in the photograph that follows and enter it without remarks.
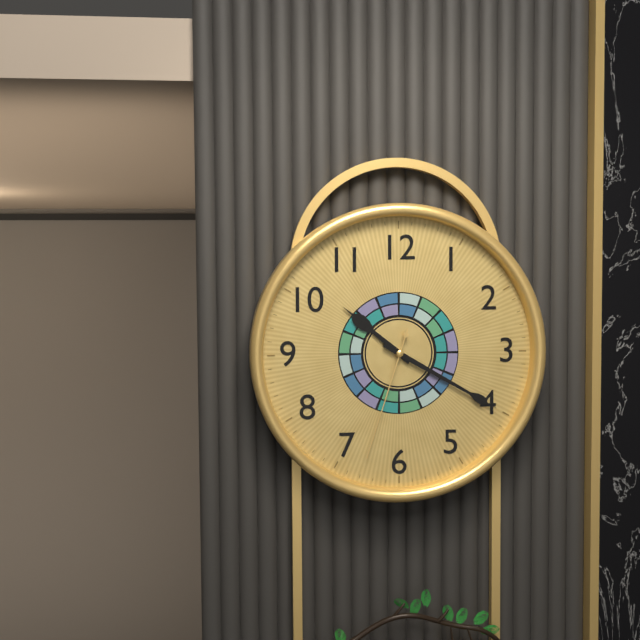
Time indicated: 10:20:33
